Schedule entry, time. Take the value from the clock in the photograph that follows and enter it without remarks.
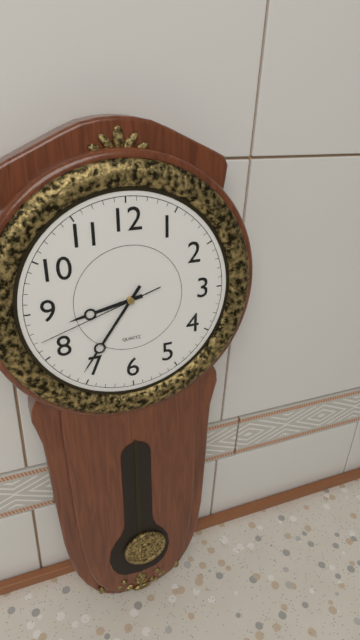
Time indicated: 8:36:42
